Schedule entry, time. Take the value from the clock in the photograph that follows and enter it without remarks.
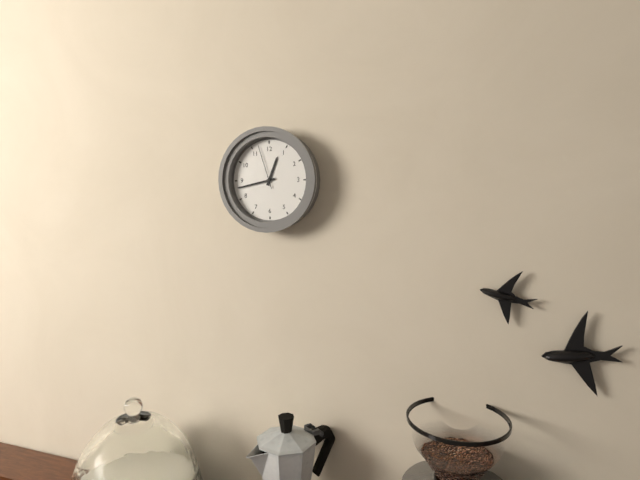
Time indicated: 12:43
